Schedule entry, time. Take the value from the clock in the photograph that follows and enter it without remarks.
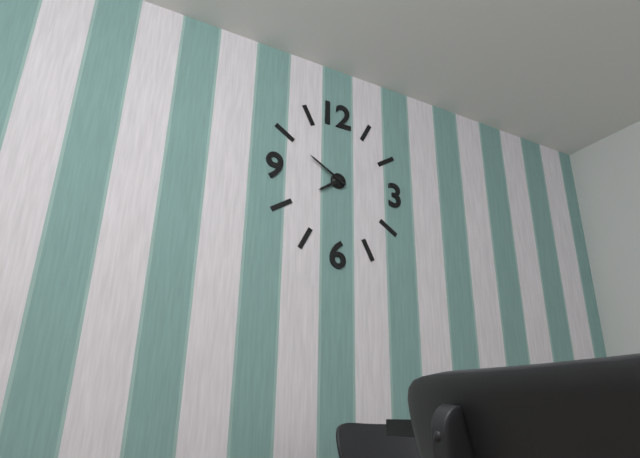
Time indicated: 7:50
